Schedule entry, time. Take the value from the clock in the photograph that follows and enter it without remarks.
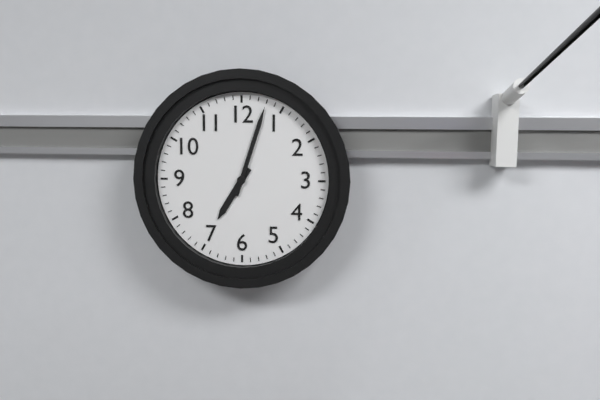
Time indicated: 7:03
